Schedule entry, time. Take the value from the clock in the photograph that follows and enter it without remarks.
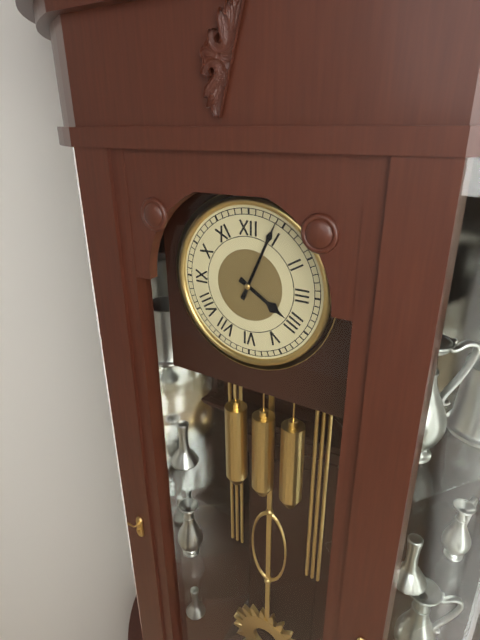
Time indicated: 4:04
